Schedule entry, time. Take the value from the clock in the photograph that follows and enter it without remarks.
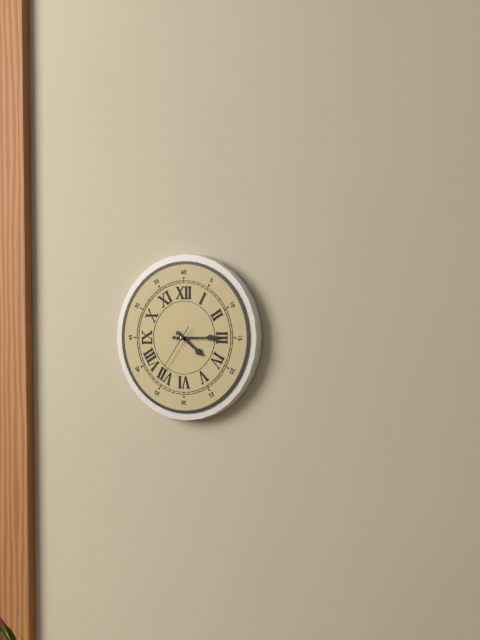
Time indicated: 4:15:36
